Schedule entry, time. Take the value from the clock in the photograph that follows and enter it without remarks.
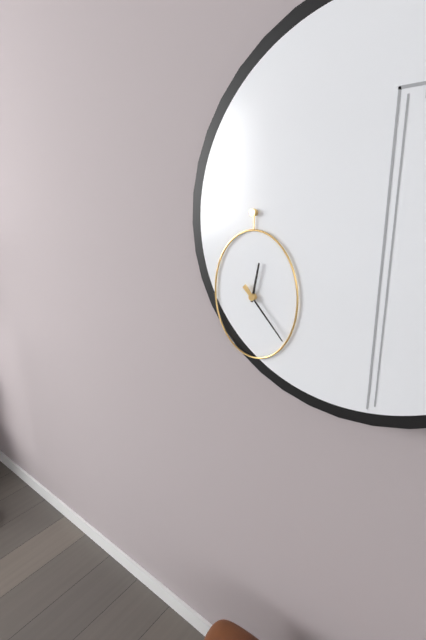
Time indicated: 12:23
